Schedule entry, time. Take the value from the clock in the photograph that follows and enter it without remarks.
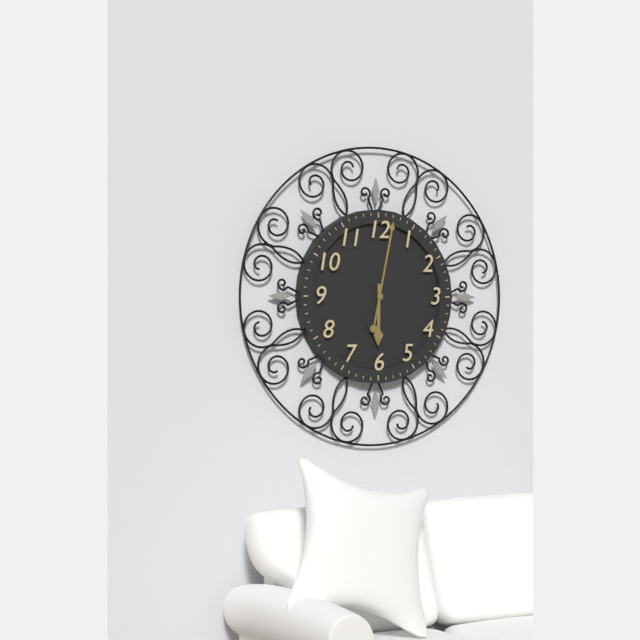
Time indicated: 6:02
